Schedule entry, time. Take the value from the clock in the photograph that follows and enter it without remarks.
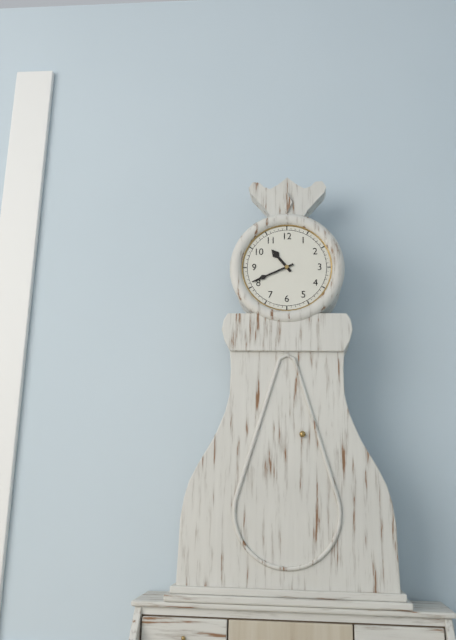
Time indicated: 10:41
